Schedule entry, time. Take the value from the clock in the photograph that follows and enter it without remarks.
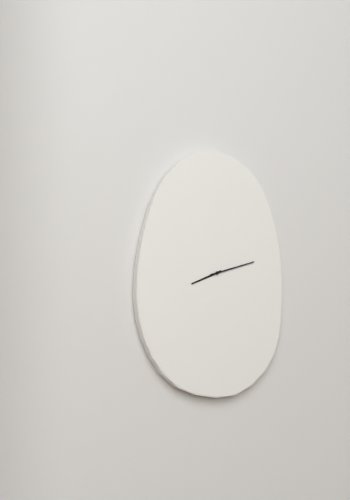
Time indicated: 8:12
